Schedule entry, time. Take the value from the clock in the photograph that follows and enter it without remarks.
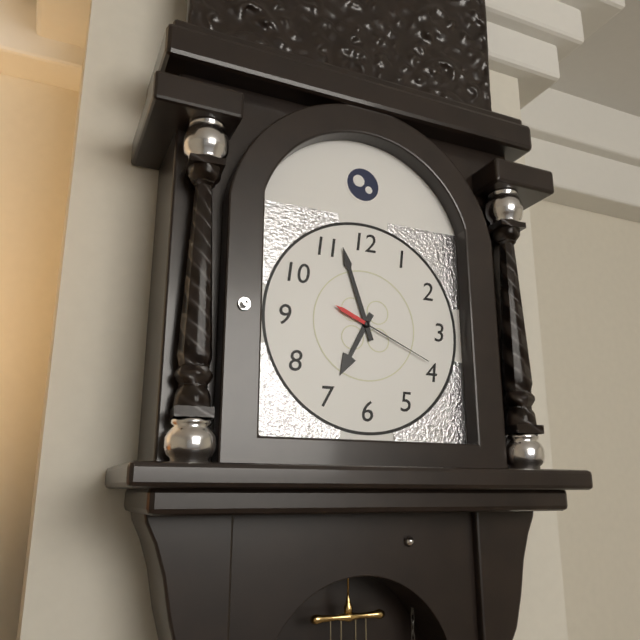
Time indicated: 6:57:19
